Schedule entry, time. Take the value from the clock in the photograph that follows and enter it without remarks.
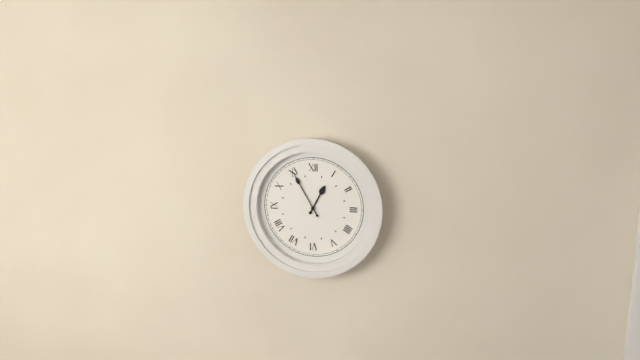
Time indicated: 12:55
